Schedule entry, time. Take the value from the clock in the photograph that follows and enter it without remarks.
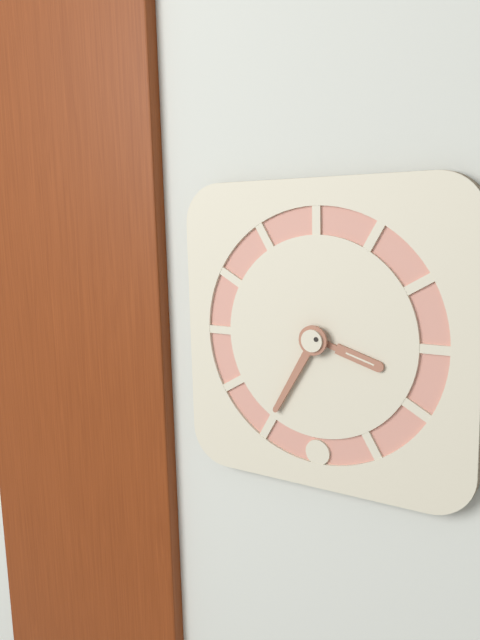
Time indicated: 3:35
